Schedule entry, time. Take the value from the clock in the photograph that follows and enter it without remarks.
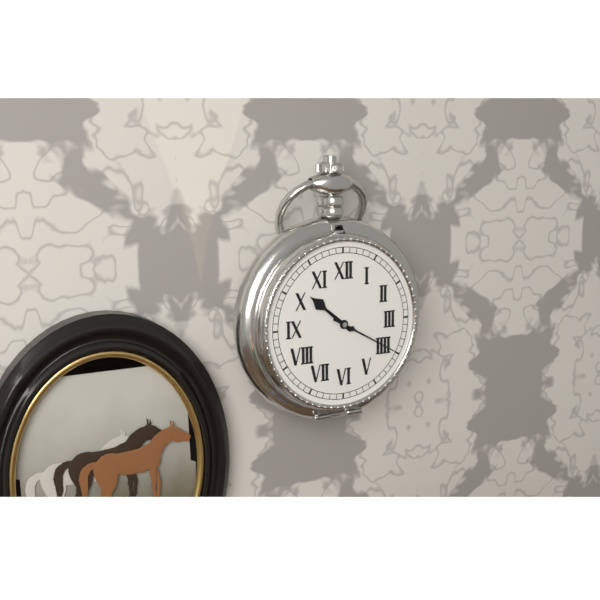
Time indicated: 10:20
